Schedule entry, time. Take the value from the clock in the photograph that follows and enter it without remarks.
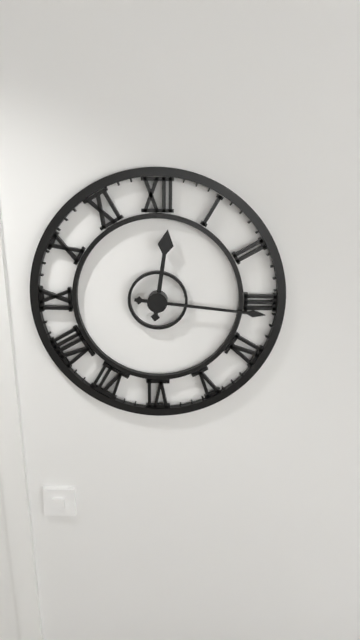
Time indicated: 12:16
